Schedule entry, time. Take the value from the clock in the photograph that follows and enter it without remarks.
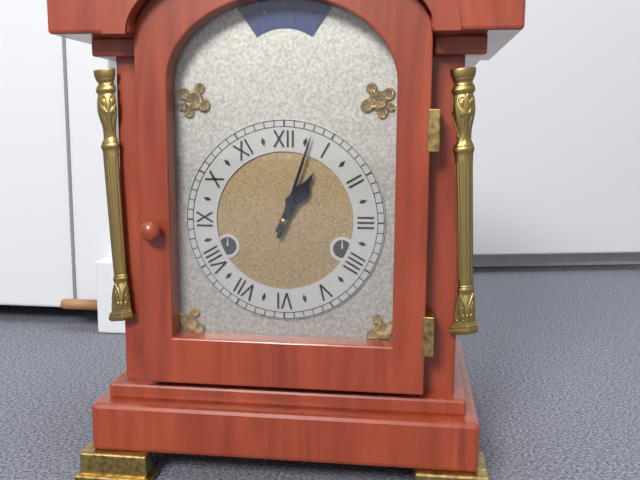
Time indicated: 1:03
